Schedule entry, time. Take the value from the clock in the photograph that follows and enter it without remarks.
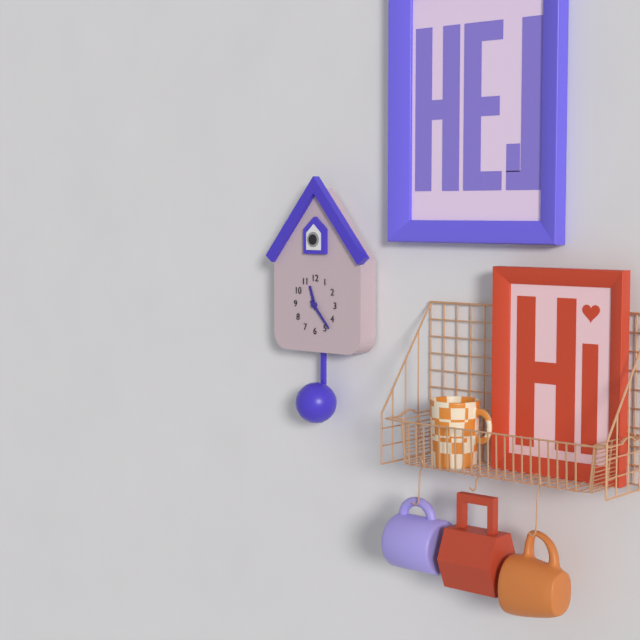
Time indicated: 11:23
